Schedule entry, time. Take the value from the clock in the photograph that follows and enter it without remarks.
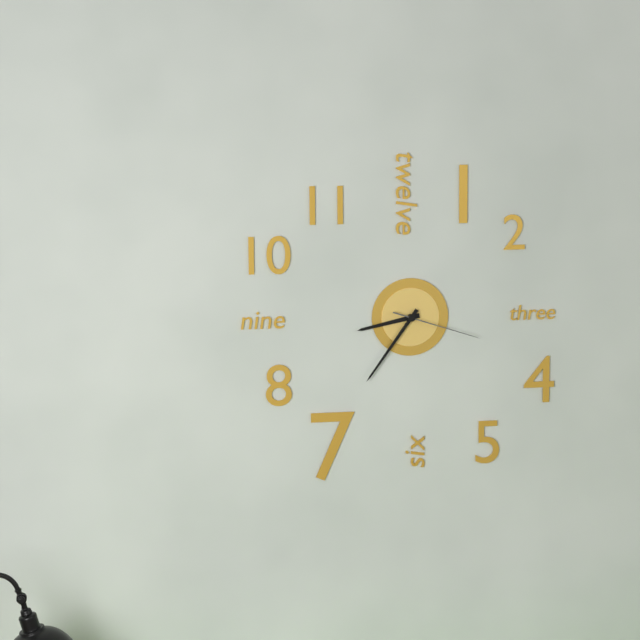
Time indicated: 8:36:18
